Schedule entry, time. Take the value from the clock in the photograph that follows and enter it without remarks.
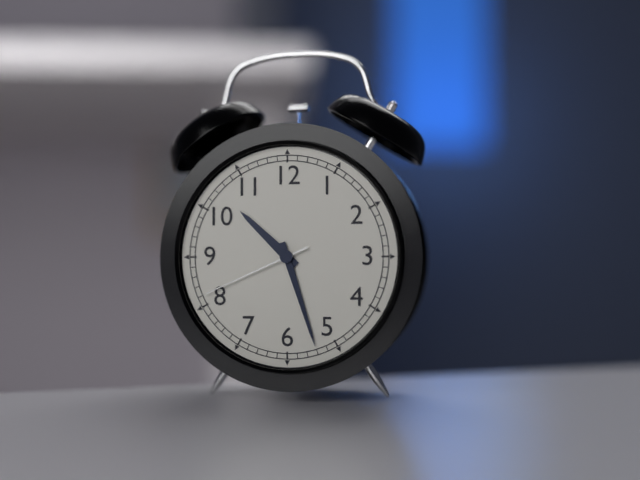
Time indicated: 10:27:41
